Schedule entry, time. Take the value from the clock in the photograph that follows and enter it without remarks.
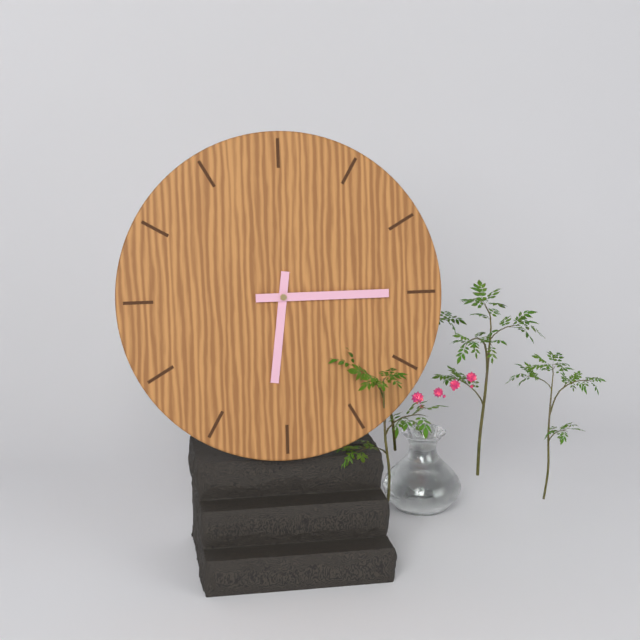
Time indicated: 6:15
